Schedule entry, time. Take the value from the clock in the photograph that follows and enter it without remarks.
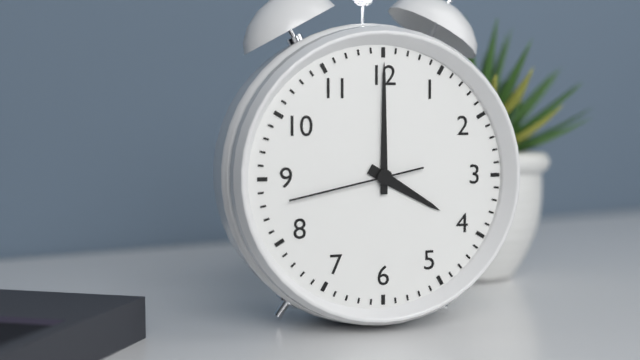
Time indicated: 4:00:43
